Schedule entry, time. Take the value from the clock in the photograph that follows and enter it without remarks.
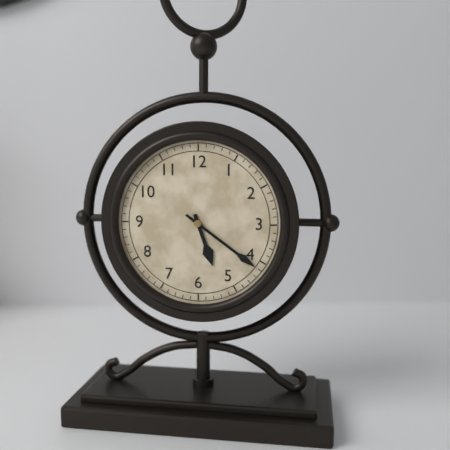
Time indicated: 5:21
